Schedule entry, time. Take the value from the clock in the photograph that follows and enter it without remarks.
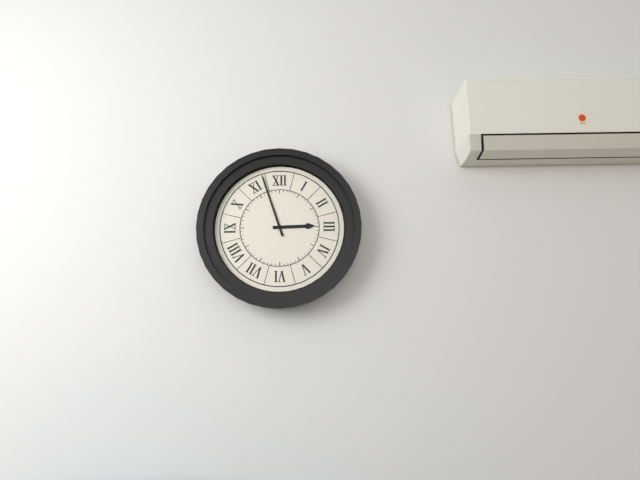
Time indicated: 2:57
